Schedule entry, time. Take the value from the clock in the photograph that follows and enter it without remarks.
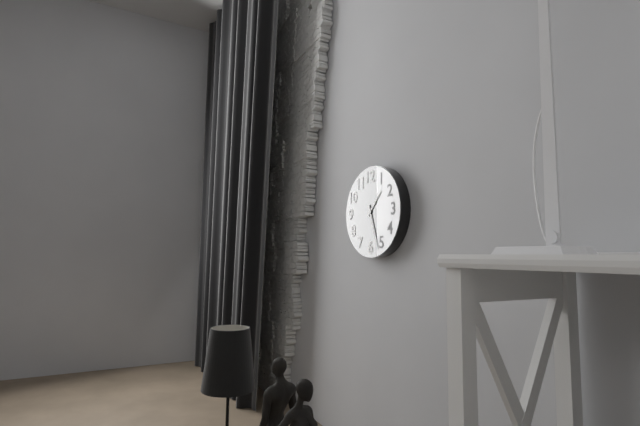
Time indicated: 1:27
